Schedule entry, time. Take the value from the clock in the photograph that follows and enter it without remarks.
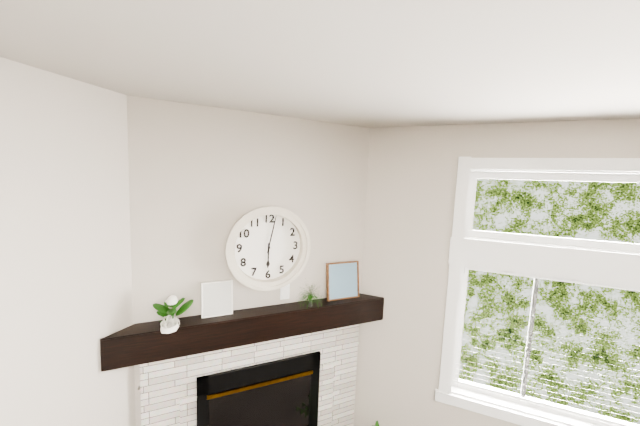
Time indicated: 6:02
